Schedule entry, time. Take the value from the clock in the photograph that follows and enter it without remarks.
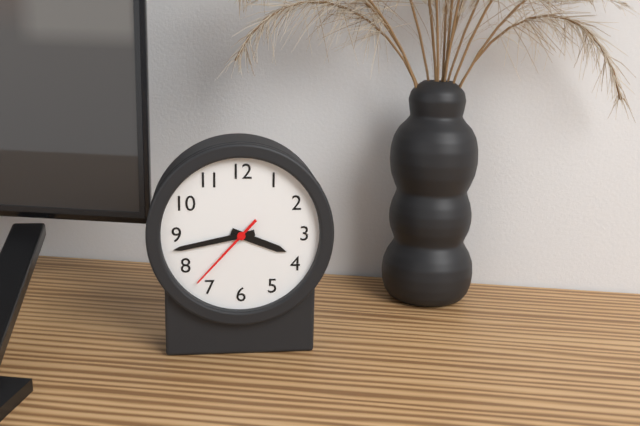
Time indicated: 3:43:37
